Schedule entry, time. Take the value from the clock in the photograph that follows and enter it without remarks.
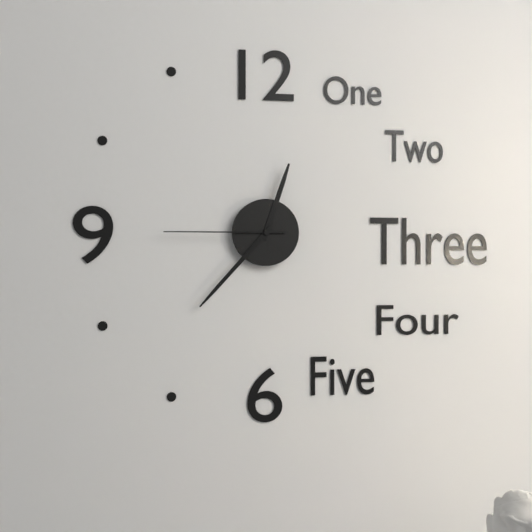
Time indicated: 12:37:45
